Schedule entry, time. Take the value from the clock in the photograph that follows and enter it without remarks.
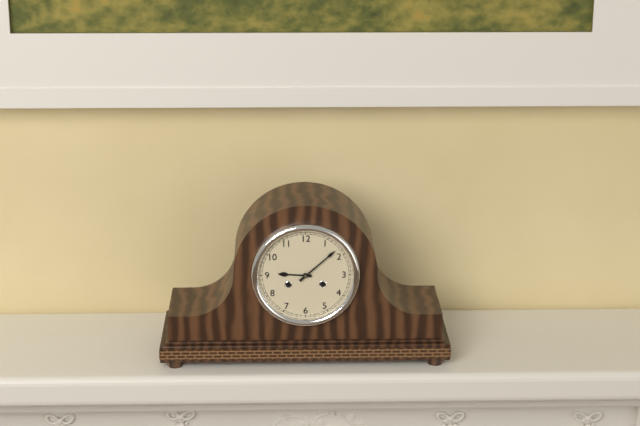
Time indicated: 9:08
